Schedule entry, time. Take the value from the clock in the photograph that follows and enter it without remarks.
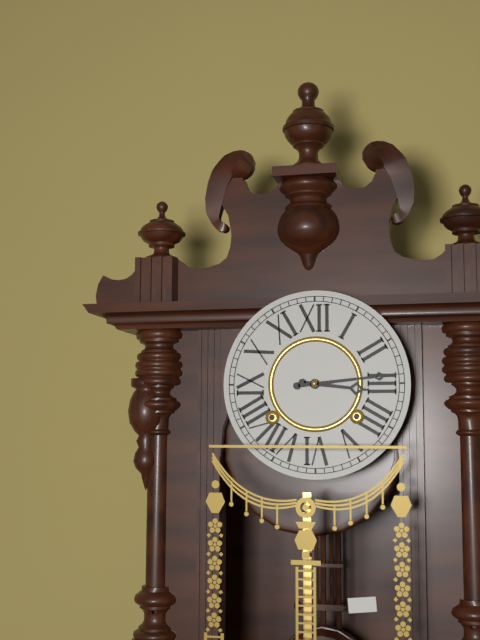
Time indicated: 3:14
